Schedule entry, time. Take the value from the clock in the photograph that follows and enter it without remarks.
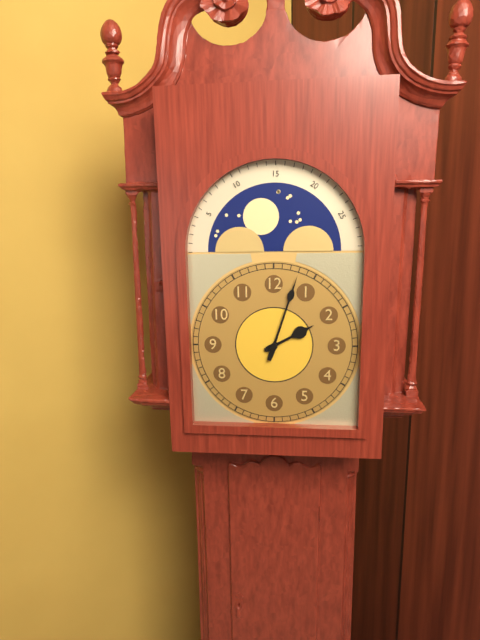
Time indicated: 2:03
